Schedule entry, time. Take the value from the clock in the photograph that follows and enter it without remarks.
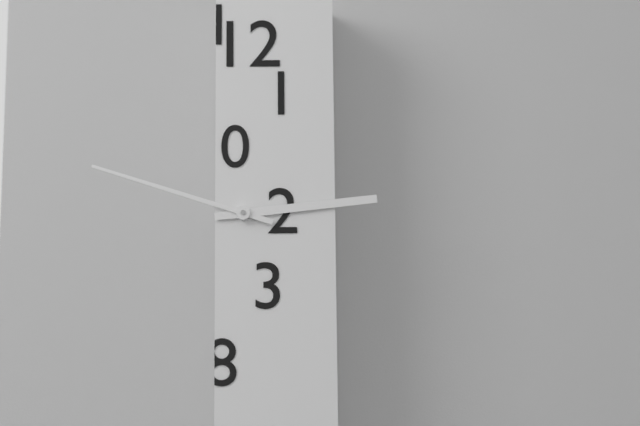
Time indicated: 2:48
